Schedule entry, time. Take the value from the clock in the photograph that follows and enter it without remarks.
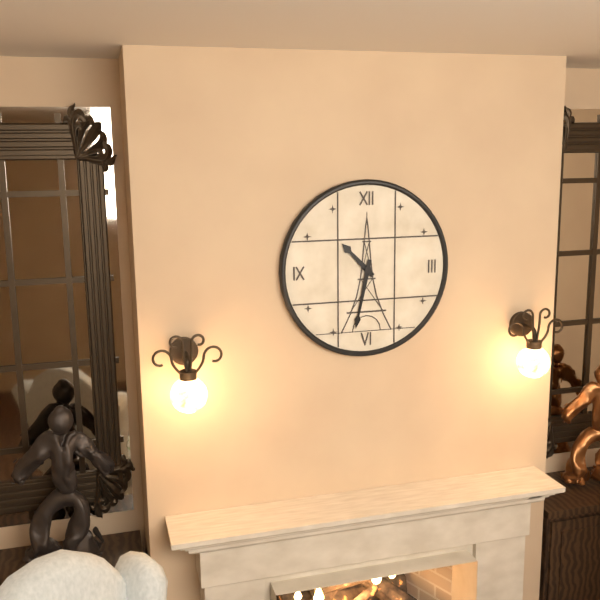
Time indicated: 10:32
